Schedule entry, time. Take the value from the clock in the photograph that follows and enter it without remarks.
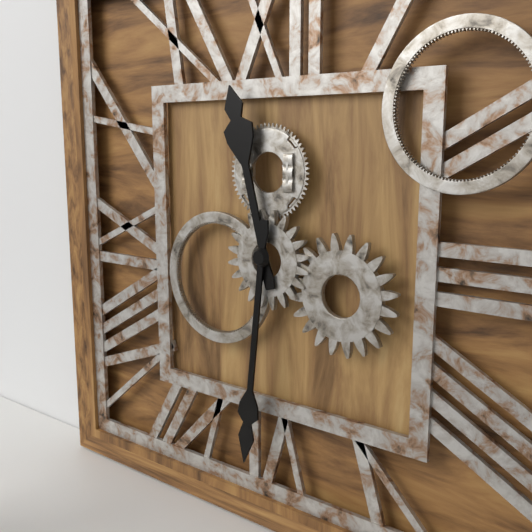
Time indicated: 11:31
